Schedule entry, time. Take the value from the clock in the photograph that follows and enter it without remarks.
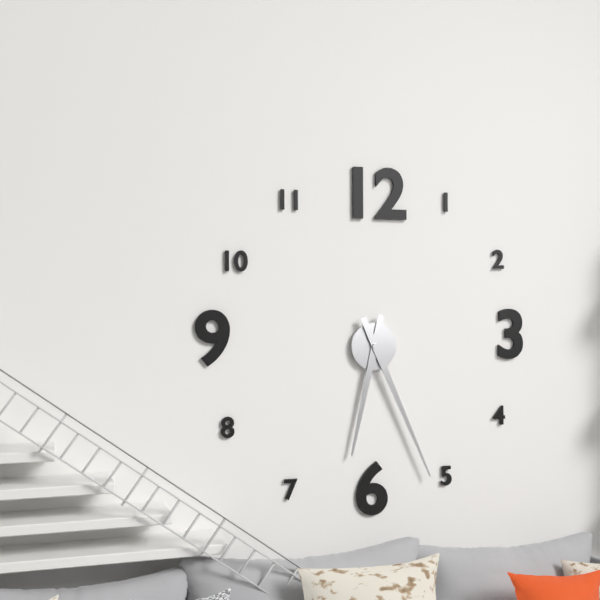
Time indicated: 6:26
